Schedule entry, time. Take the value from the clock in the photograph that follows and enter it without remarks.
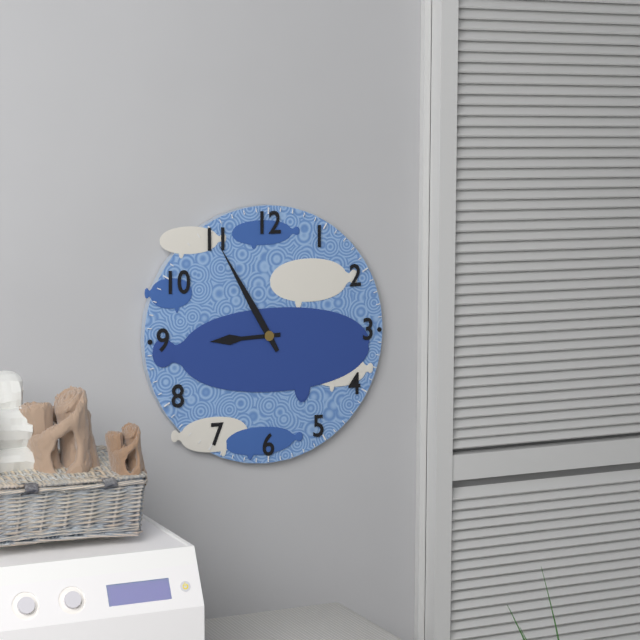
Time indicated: 8:55
